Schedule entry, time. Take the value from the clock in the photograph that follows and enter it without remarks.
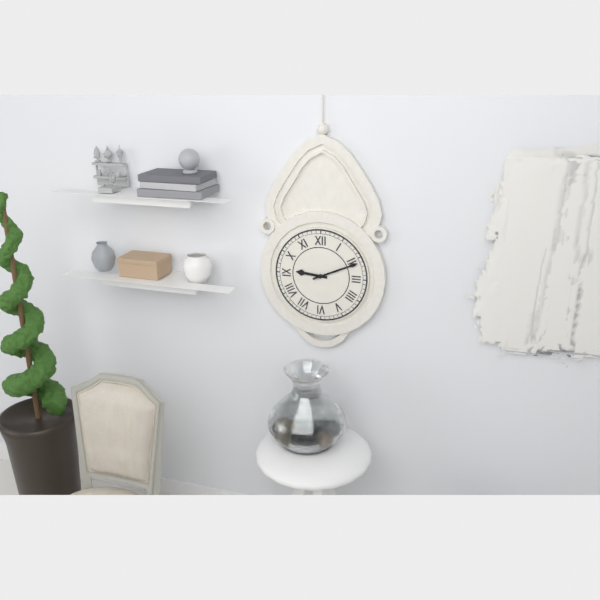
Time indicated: 9:11
